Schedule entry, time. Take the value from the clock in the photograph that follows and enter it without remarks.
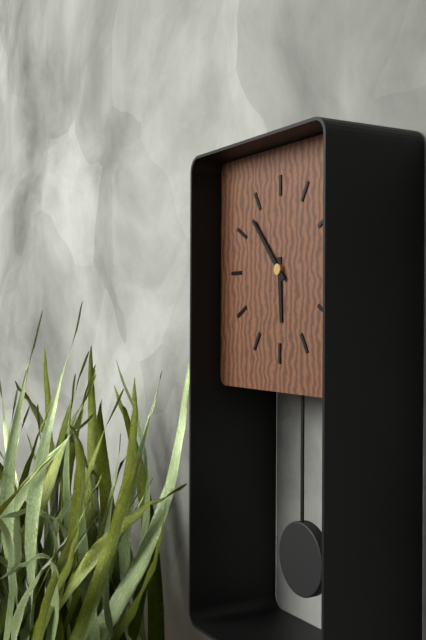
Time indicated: 5:53
